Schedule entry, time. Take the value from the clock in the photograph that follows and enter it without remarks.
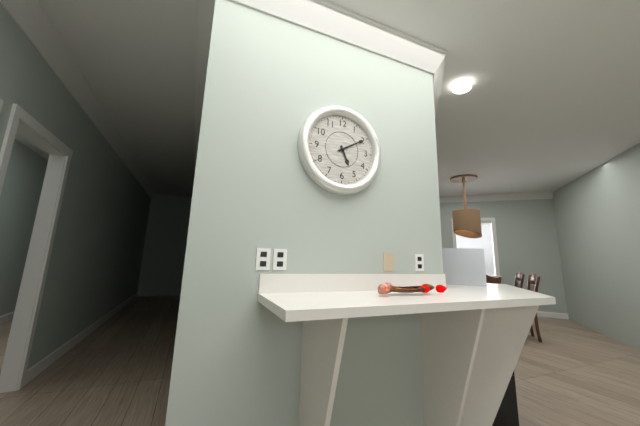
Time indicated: 5:10
